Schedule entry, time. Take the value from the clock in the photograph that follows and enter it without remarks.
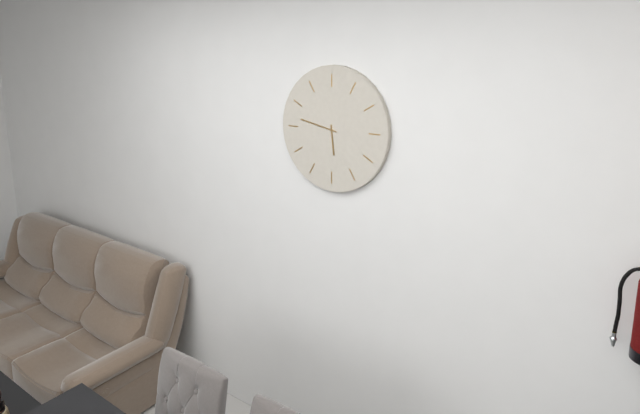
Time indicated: 5:47
